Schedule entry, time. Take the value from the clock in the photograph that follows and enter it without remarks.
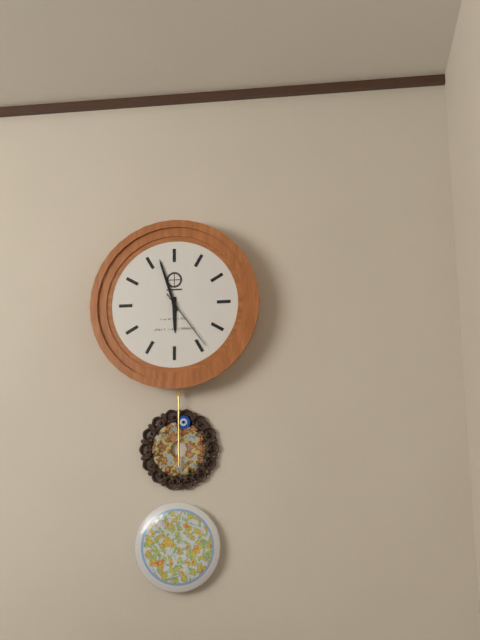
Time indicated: 5:57:24
